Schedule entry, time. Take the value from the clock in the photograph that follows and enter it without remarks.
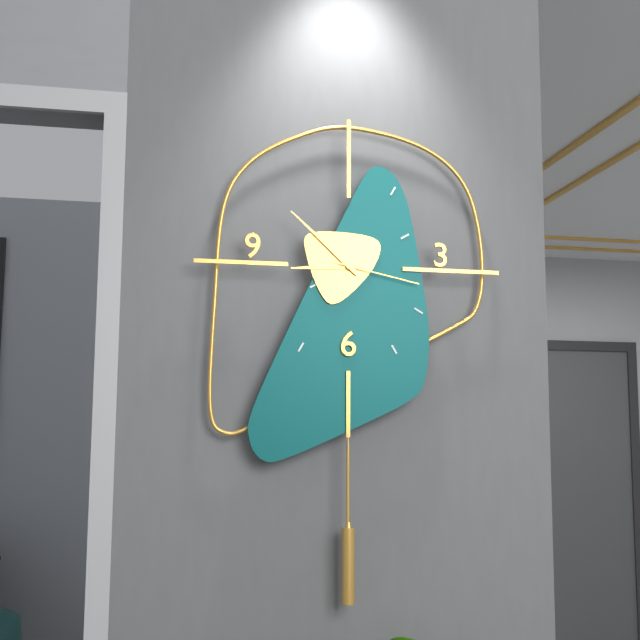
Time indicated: 8:52:17
